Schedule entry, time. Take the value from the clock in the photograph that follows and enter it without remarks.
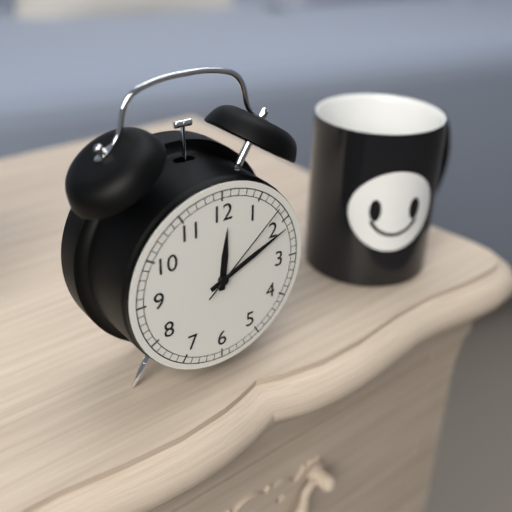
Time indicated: 12:11:08
